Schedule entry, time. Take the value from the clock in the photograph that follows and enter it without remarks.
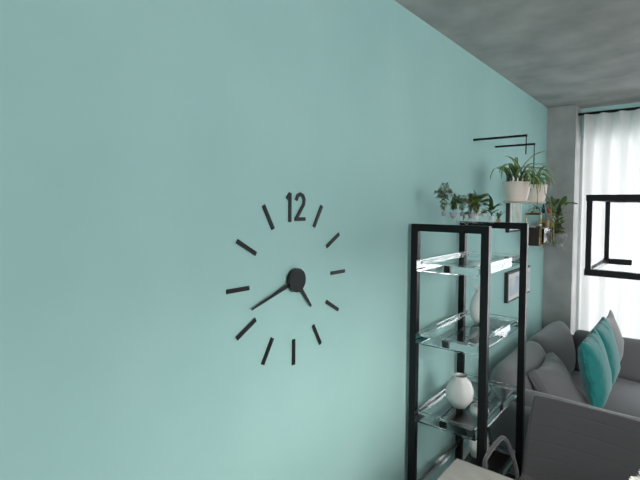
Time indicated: 4:42
